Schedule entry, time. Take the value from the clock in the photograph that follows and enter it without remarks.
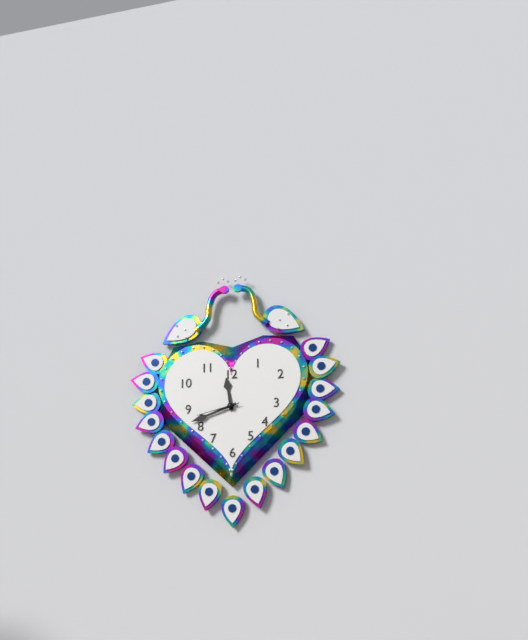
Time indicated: 11:42
